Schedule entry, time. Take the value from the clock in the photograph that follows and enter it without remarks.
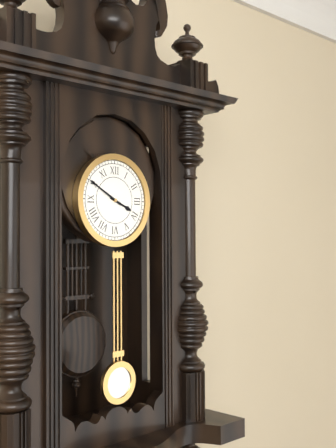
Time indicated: 3:50
